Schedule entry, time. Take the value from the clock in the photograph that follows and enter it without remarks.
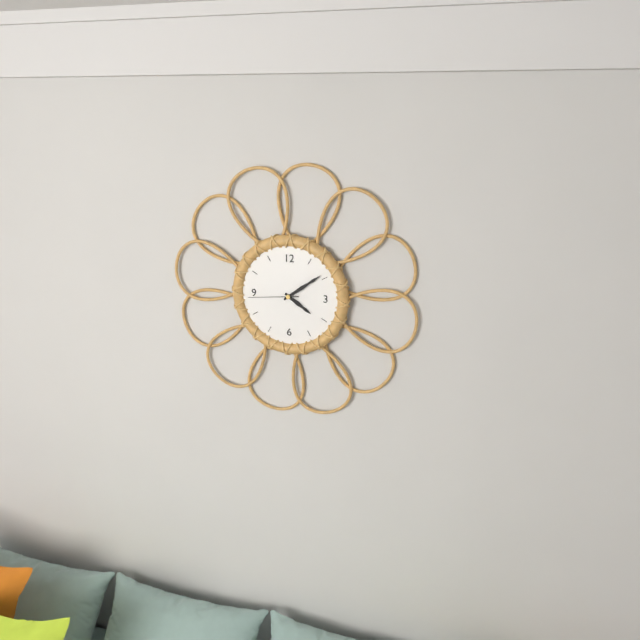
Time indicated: 4:09:44
